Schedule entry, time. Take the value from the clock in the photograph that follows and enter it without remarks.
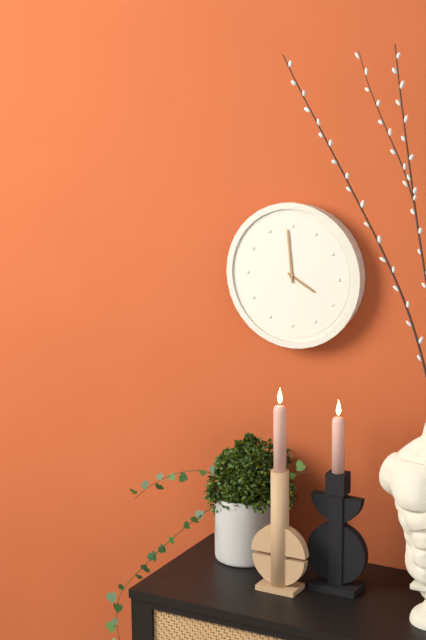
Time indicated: 3:59
